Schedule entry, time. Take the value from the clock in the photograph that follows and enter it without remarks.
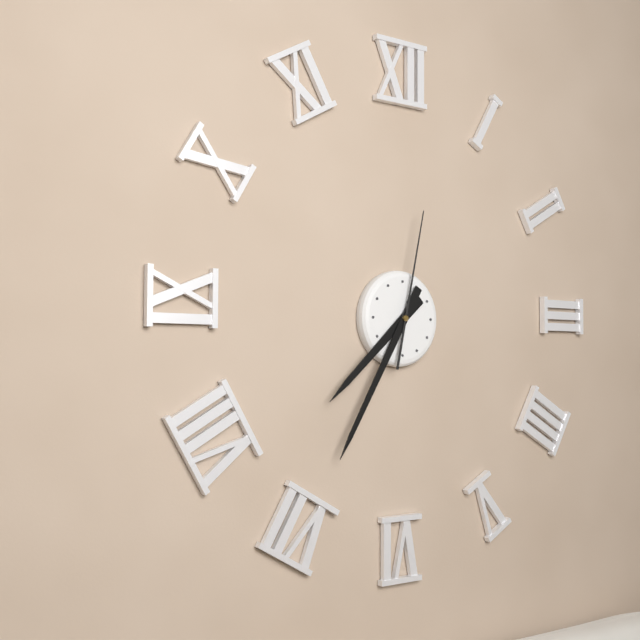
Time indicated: 7:35:02
